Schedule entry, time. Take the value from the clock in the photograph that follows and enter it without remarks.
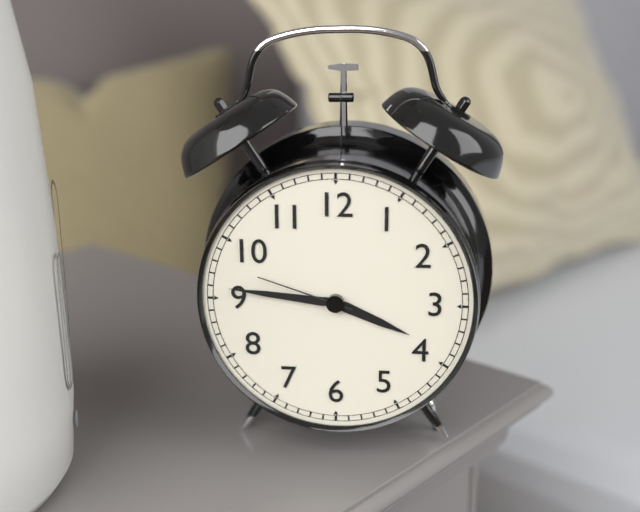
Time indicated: 3:46:48
